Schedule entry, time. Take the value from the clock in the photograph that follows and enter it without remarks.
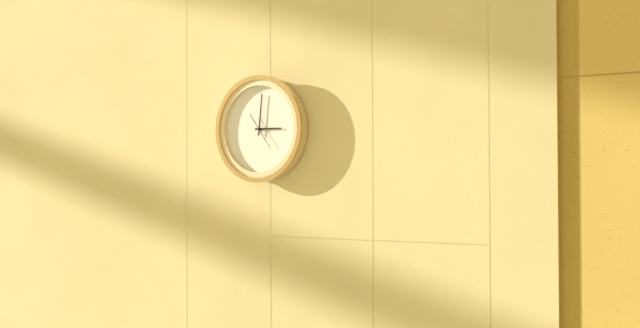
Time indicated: 3:01
